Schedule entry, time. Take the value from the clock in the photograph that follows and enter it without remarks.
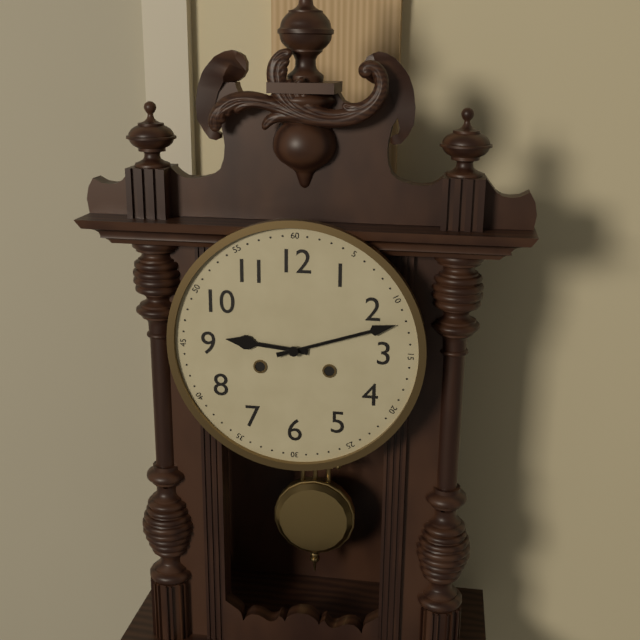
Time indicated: 9:12
